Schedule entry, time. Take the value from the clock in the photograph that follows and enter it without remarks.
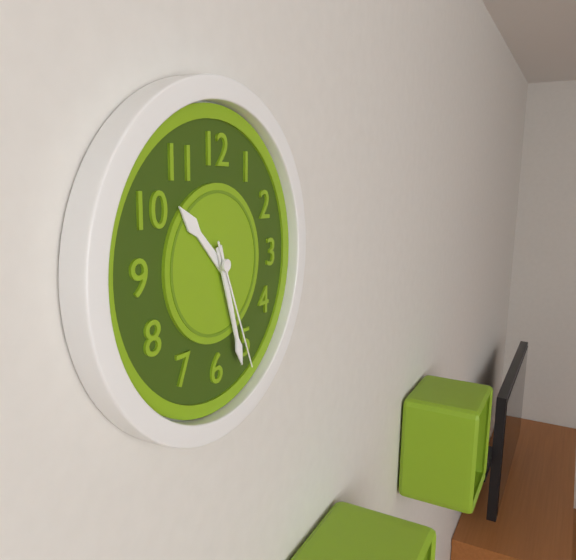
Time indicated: 10:27:26
